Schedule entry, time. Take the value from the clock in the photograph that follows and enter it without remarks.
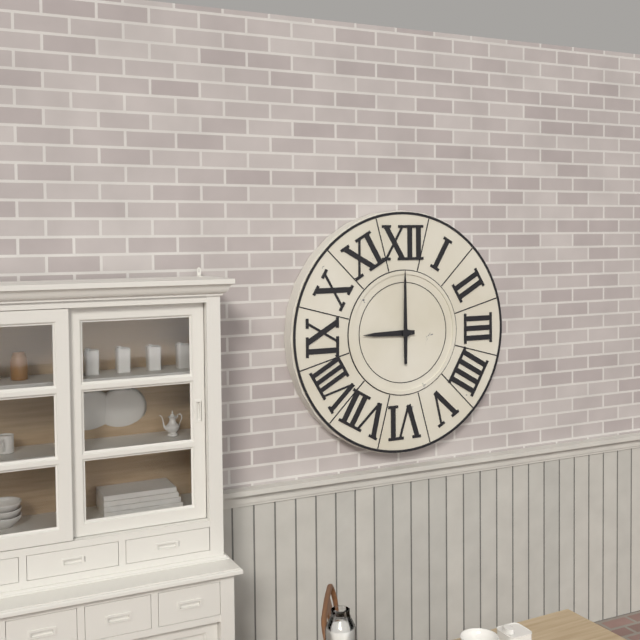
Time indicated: 9:00
